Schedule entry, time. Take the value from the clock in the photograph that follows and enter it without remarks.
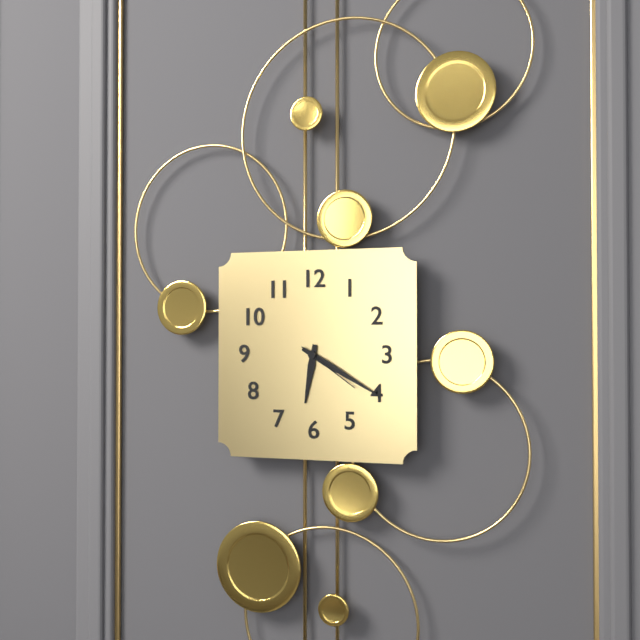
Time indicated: 6:20:21
